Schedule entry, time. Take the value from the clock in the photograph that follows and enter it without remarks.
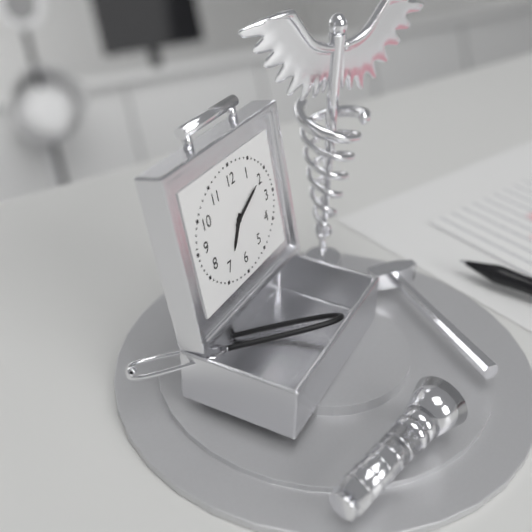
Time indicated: 7:11
